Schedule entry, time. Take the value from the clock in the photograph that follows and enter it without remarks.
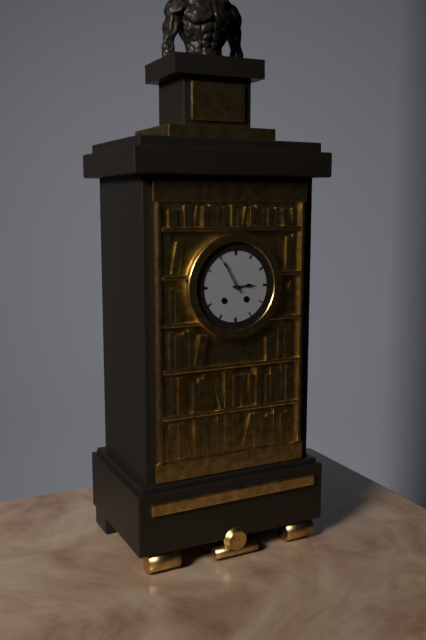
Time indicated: 2:55
